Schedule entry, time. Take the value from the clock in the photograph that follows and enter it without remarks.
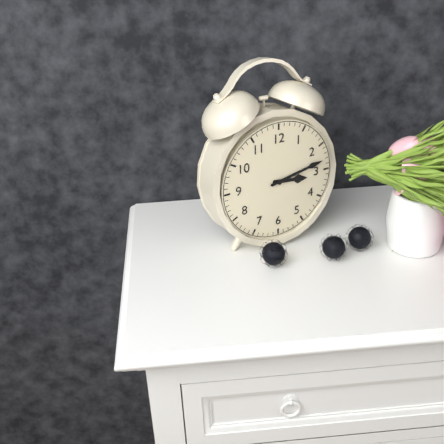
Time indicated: 3:13
